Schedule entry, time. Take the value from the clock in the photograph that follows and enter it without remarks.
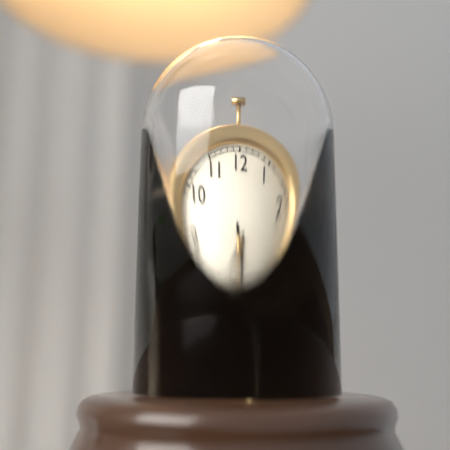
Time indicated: 7:27
